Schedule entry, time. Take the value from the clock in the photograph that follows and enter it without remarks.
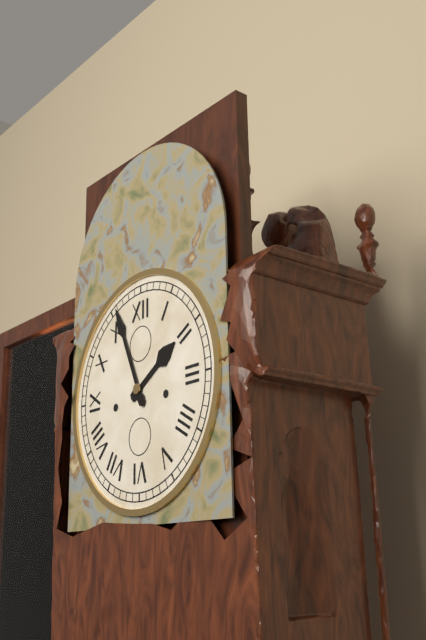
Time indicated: 1:56
